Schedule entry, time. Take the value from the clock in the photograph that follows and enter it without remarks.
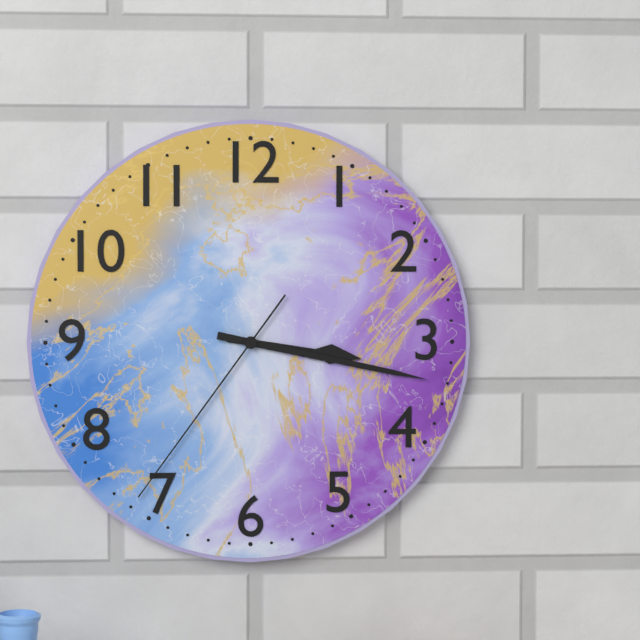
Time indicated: 3:17:36
